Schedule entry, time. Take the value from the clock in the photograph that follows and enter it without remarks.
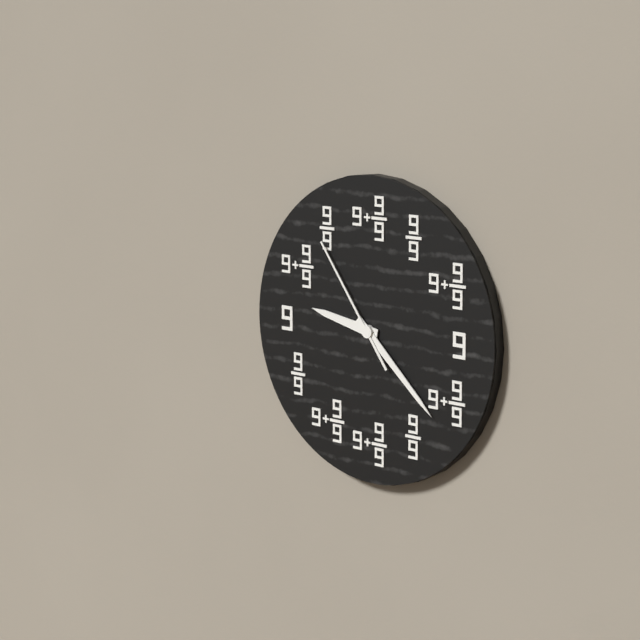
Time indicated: 9:22:54
